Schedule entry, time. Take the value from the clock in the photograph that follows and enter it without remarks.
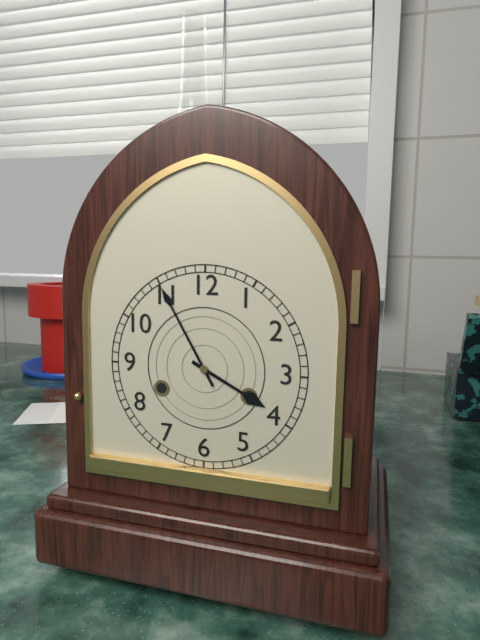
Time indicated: 3:55
